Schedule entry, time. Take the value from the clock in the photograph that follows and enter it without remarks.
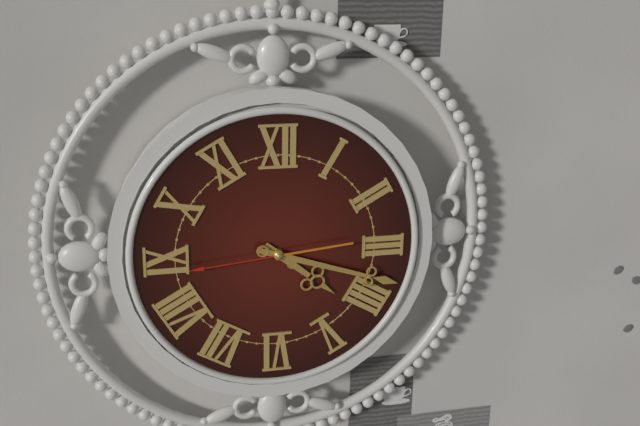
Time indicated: 4:18:44
